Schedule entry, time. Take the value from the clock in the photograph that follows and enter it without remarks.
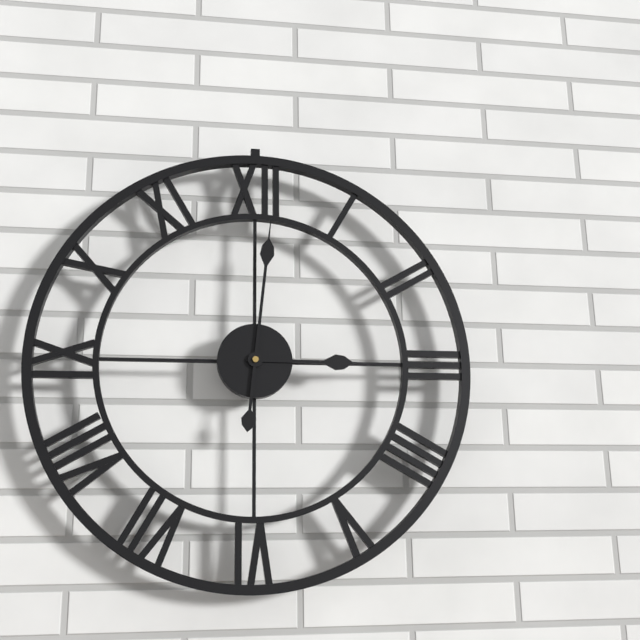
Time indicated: 3:01
